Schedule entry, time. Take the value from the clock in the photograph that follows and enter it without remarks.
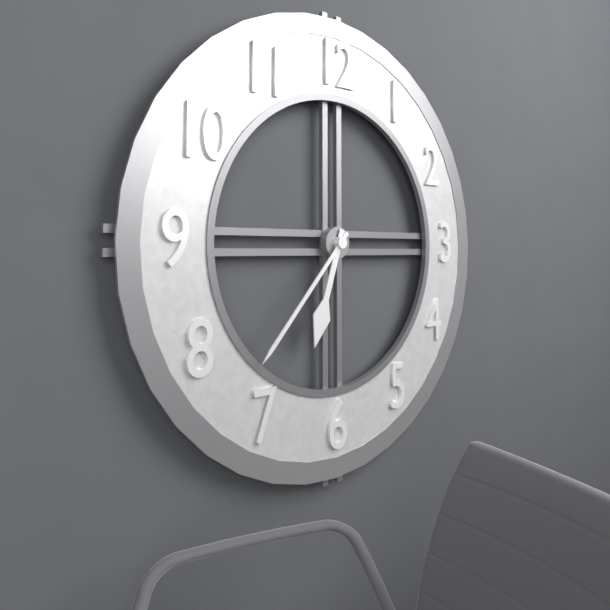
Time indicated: 6:37
